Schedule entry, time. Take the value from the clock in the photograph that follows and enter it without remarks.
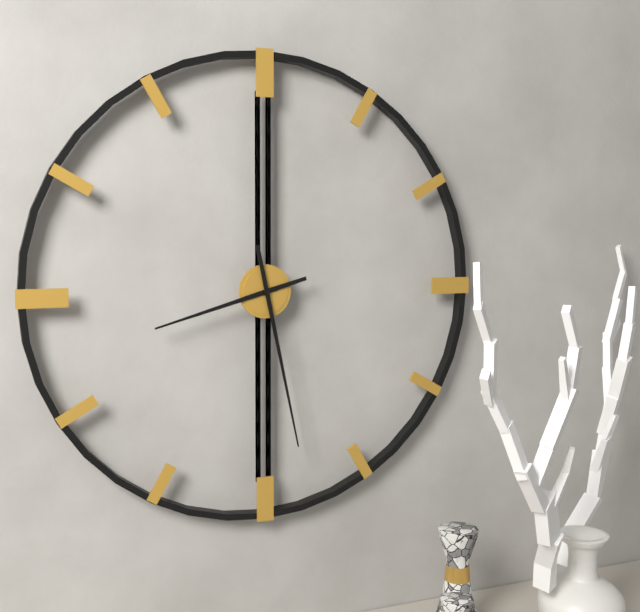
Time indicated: 8:28
